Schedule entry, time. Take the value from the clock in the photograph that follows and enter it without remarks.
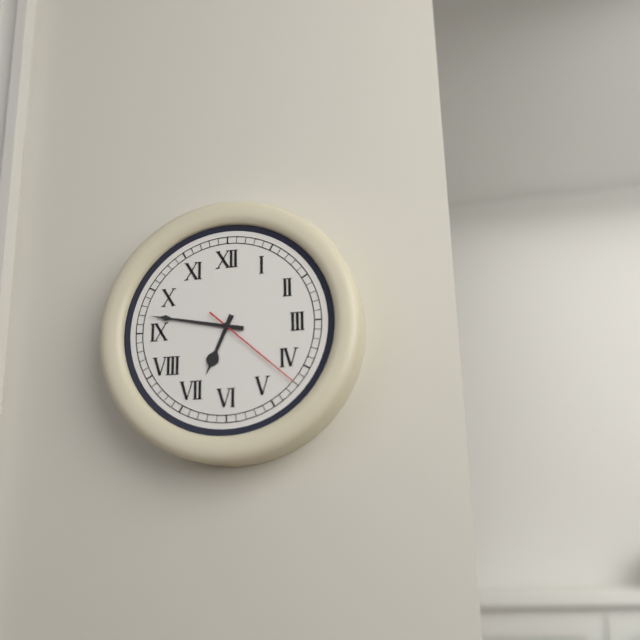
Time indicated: 6:47:22
